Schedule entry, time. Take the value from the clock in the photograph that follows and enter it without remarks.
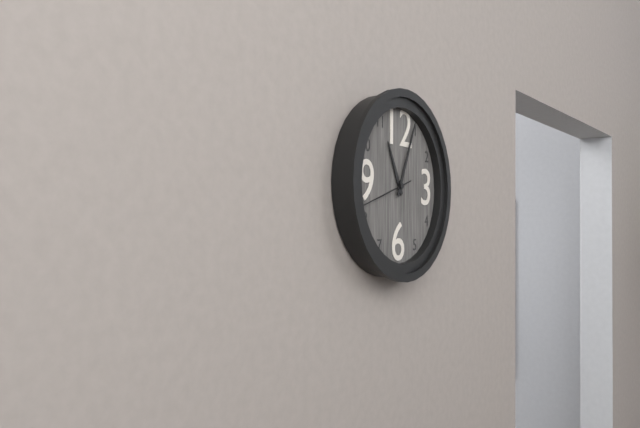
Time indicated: 11:04:42
